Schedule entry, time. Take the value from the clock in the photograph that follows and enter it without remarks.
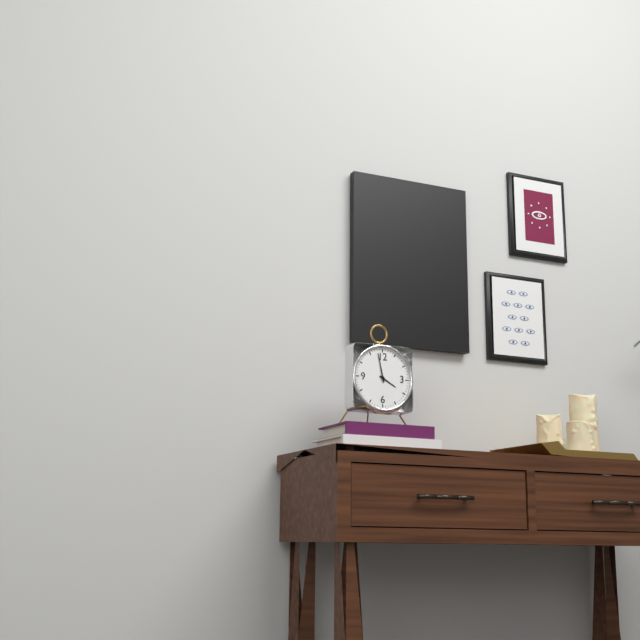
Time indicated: 3:58
